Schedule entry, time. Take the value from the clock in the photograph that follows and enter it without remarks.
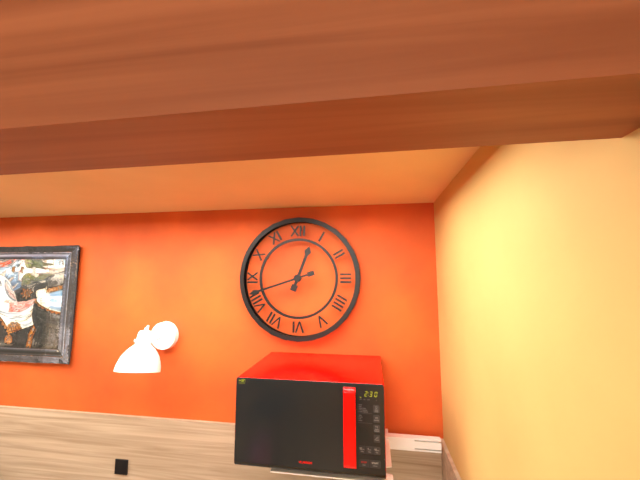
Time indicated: 12:42
